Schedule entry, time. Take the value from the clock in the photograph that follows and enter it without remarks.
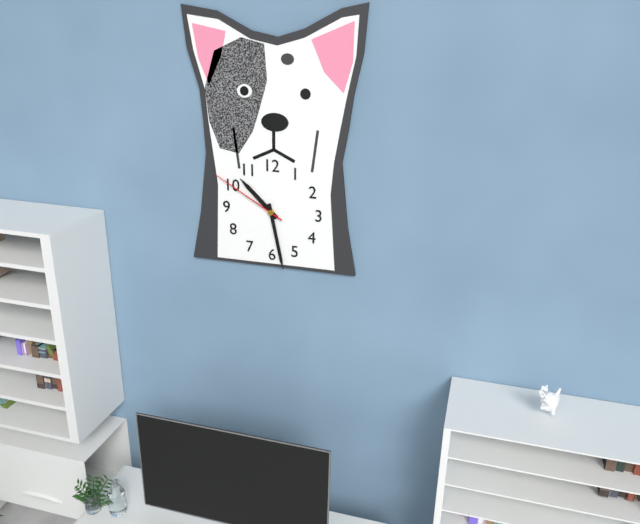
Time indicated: 10:28:50
